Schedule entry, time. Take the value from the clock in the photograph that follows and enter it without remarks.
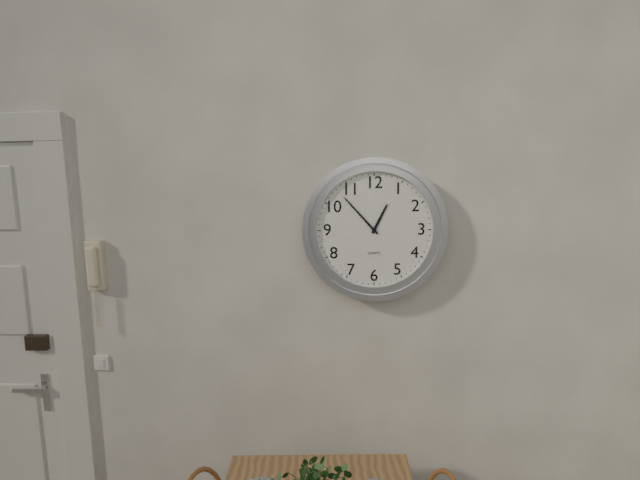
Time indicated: 12:53
